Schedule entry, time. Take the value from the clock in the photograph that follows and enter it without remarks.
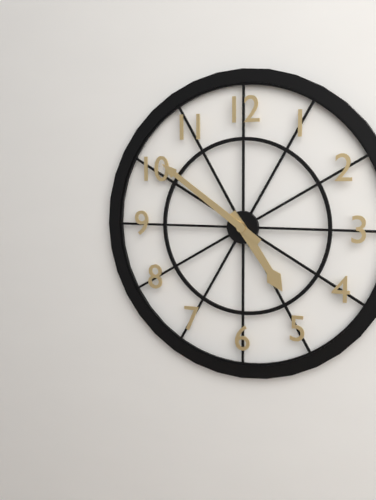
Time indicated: 4:51
